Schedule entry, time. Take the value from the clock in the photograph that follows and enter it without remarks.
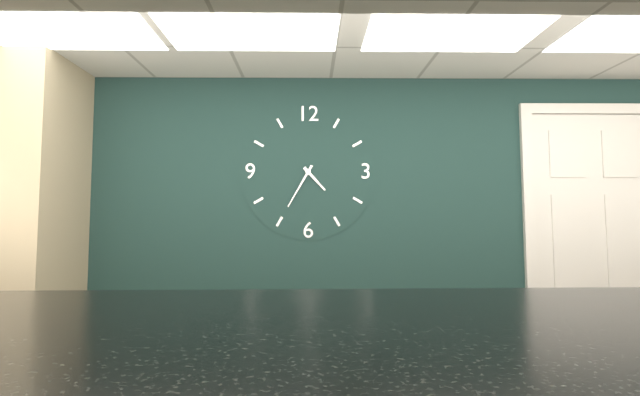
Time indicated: 4:35
